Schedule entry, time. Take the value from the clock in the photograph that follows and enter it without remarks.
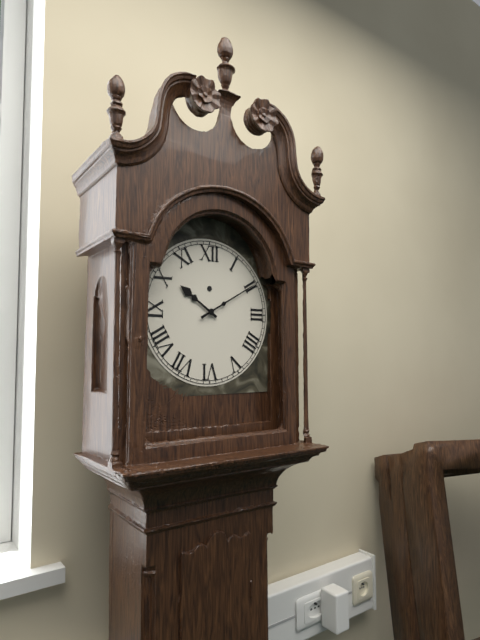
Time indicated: 10:10
